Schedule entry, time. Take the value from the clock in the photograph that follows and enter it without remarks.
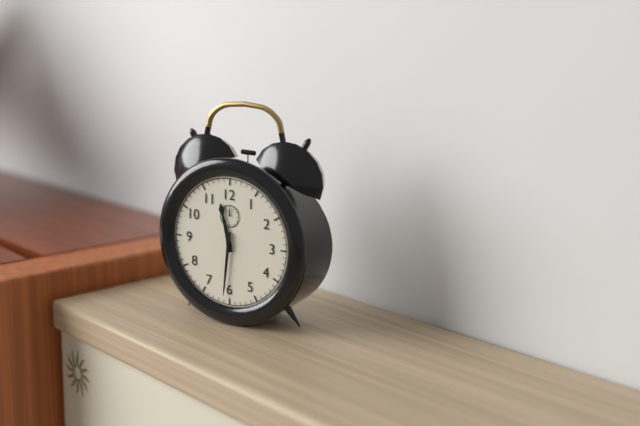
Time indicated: 11:31
